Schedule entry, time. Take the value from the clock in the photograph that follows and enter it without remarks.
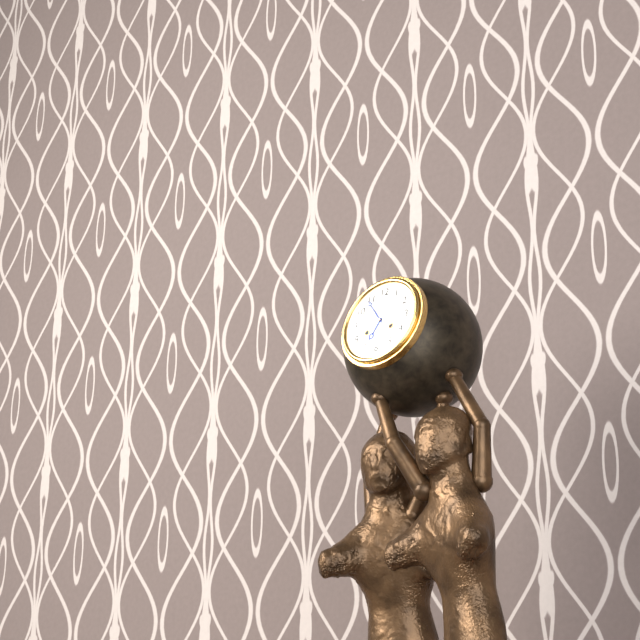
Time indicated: 6:54
